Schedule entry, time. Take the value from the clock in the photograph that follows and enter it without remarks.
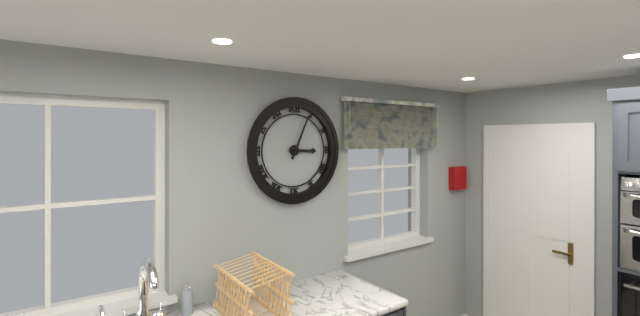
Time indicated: 3:04
